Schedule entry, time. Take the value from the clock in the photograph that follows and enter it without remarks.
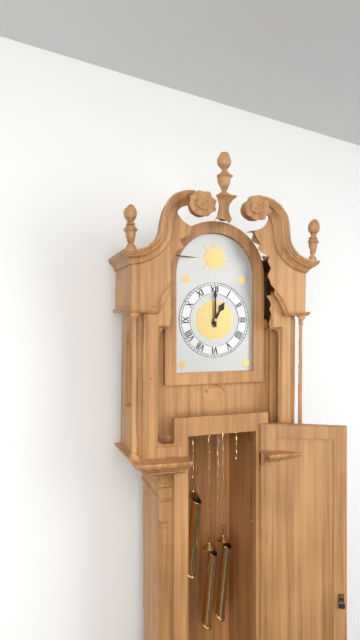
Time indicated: 1:00
